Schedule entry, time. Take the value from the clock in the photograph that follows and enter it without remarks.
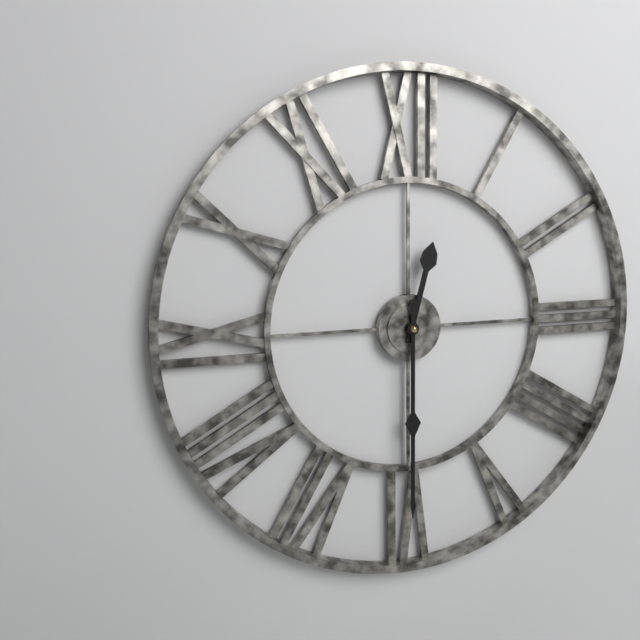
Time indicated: 12:30
